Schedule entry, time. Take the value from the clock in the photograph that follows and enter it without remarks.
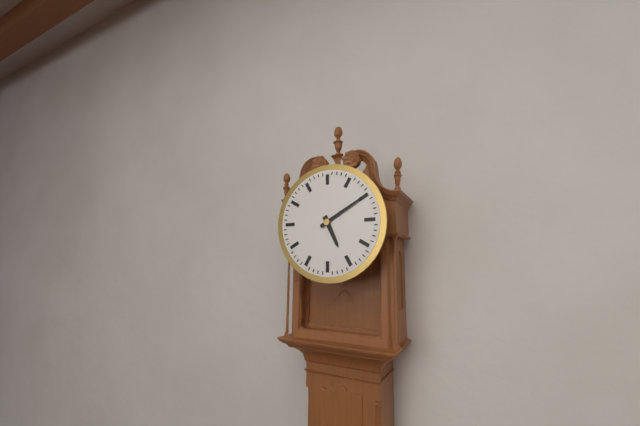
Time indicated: 5:10
